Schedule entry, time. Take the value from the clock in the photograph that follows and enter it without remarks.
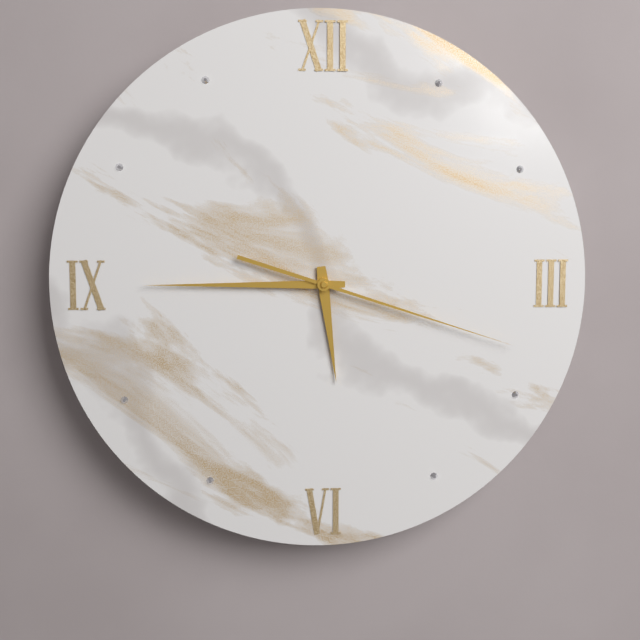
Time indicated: 5:45:18
